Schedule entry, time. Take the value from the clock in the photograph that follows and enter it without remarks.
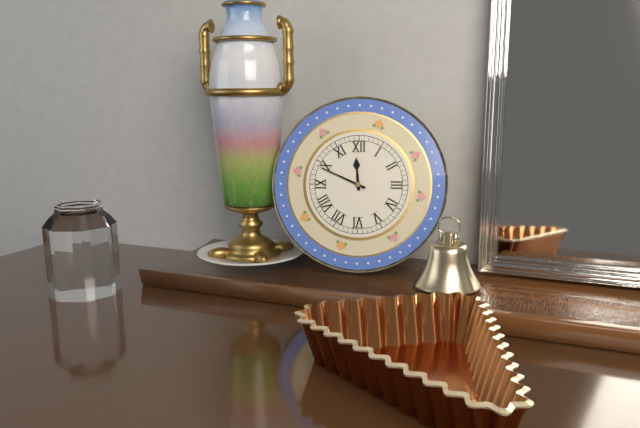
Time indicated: 11:49
